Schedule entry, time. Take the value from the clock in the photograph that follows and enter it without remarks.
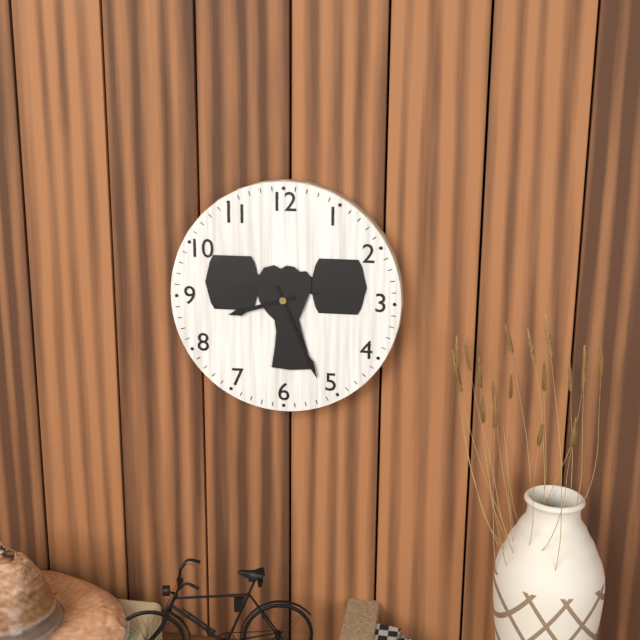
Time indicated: 8:26
